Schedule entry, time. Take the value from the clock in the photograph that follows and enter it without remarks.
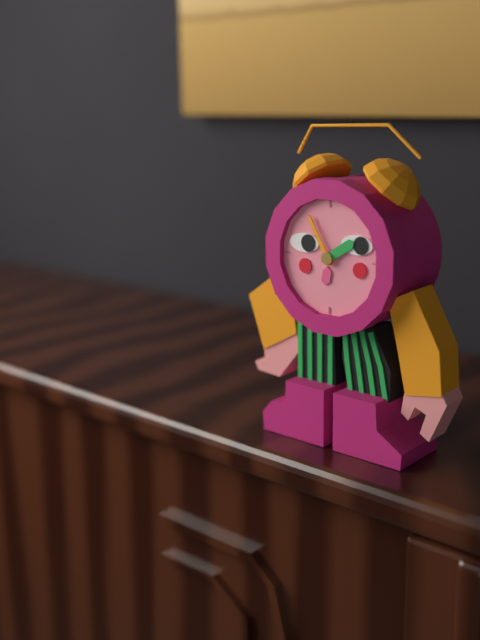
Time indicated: 1:55
